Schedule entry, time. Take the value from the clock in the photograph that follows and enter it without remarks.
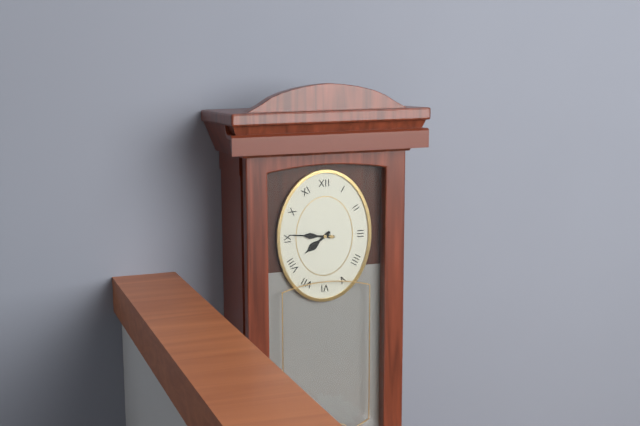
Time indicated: 7:46
